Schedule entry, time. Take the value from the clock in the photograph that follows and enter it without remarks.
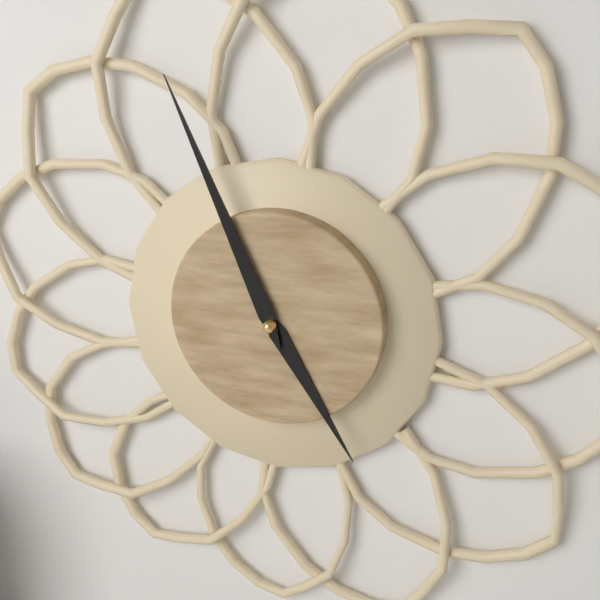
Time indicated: 4:56
